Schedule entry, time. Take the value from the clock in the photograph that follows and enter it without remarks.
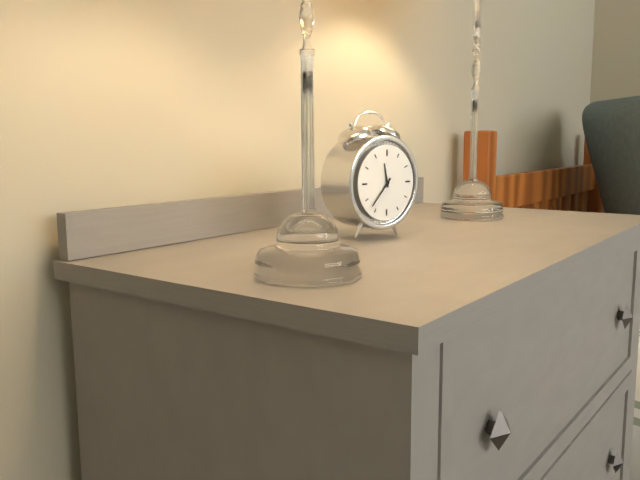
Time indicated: 11:37
